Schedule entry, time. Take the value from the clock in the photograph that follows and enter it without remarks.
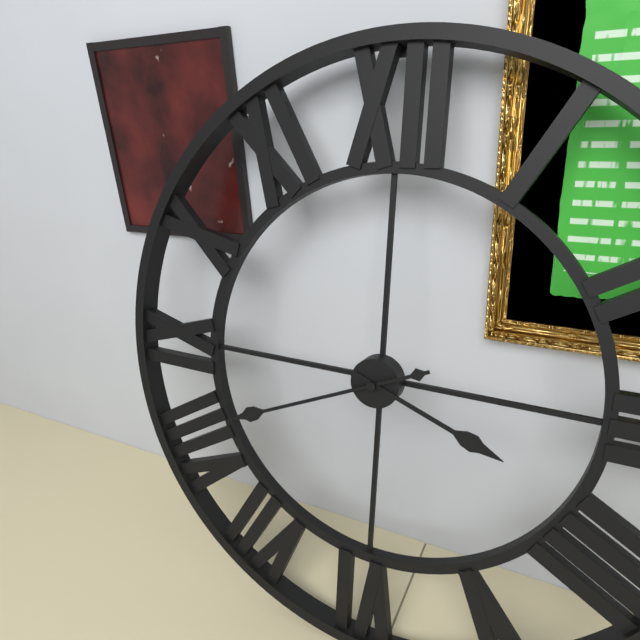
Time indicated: 3:41
